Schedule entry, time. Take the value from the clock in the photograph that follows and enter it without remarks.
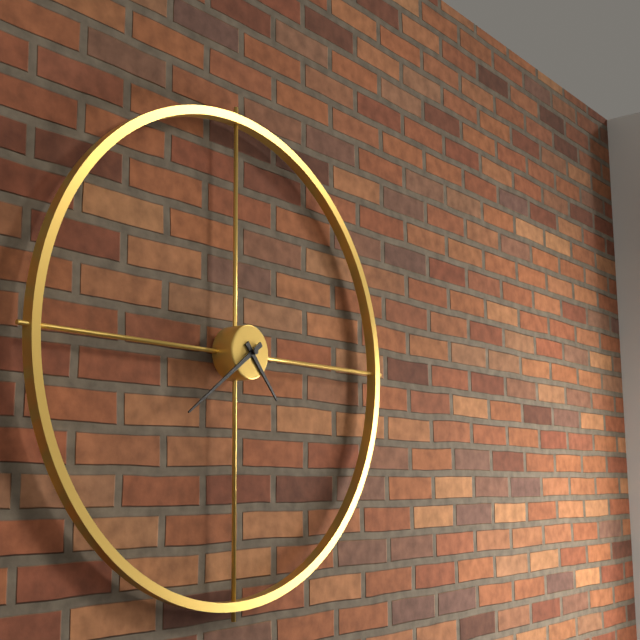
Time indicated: 4:39
